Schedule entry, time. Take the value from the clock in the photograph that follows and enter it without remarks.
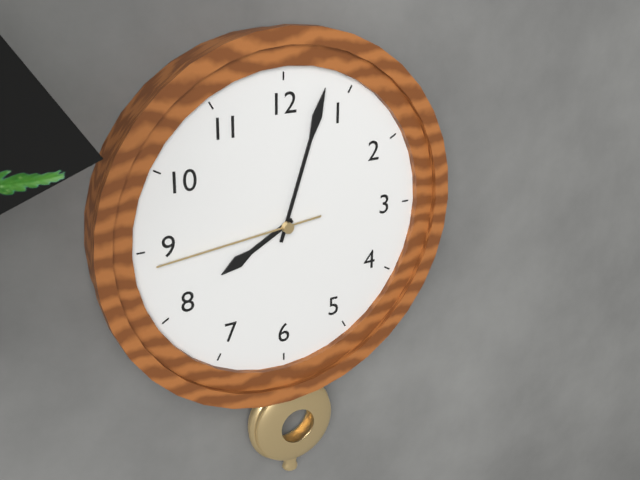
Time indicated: 8:03:44
